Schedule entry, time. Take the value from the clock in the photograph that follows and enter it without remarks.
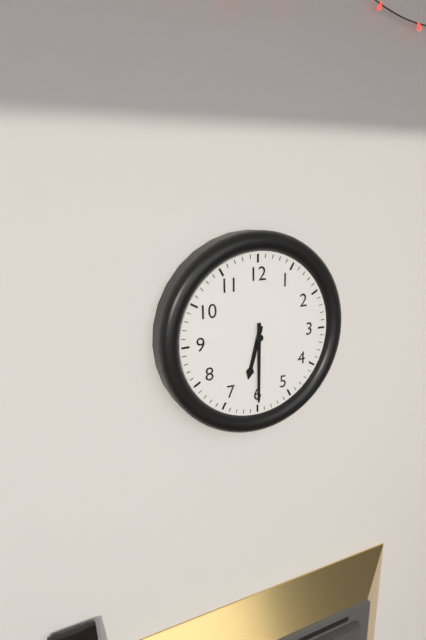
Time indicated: 6:30
